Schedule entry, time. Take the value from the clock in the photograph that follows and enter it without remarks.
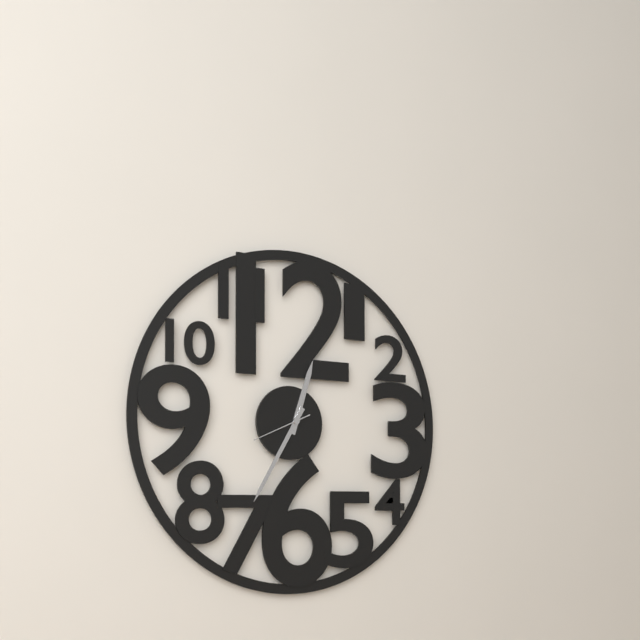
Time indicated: 12:35:41
